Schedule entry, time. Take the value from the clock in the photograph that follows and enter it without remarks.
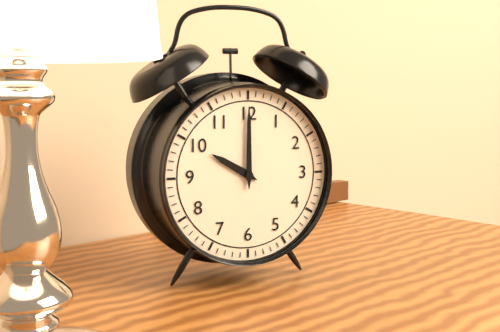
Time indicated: 10:00
